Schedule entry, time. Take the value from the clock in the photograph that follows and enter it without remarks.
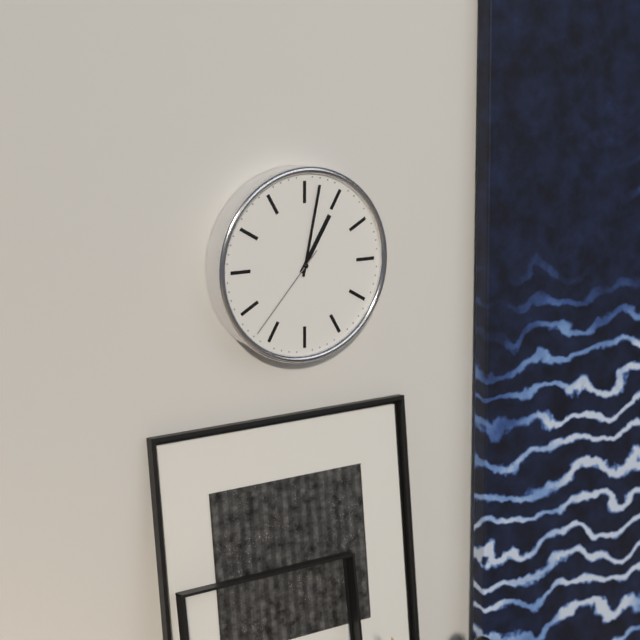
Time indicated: 1:02:37
